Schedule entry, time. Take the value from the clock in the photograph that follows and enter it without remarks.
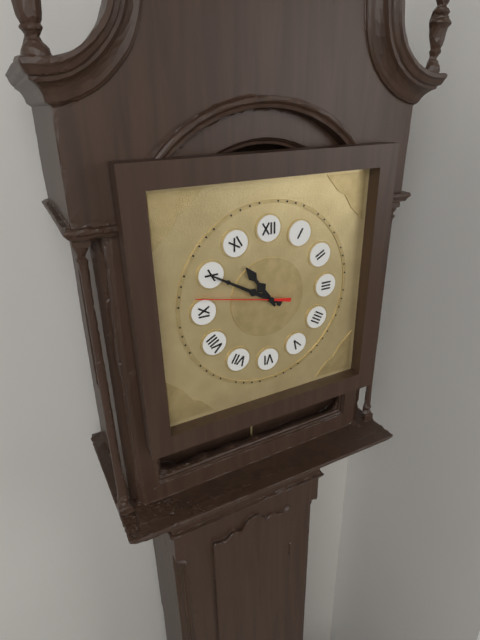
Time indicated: 10:50:47
